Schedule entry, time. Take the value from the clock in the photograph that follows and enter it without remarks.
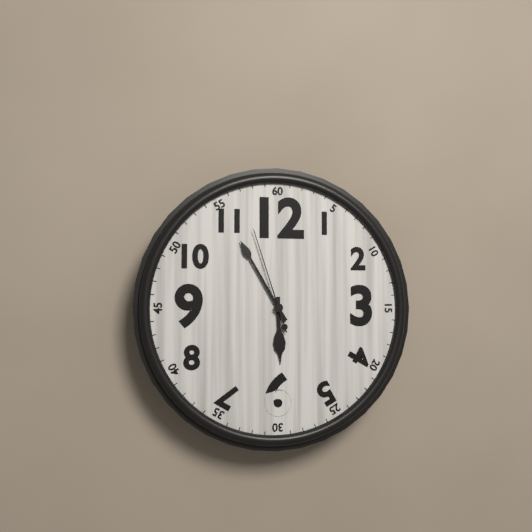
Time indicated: 5:55:57
